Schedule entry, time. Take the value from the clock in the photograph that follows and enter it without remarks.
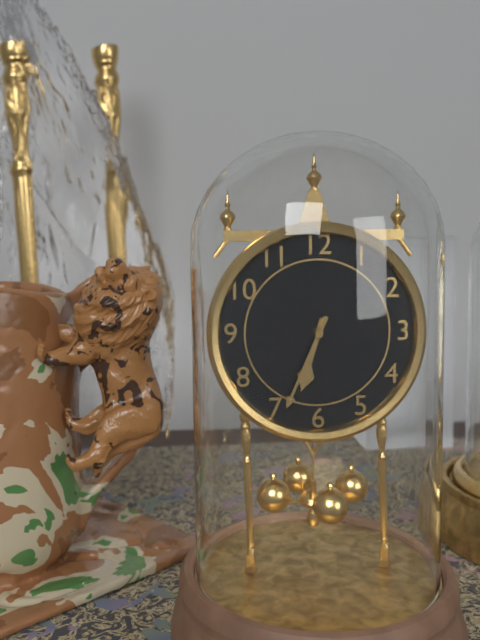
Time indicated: 6:34
